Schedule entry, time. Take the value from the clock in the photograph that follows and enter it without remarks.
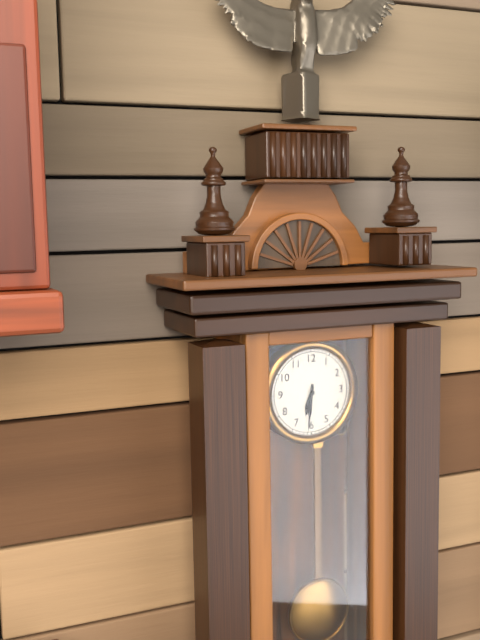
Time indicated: 6:31
